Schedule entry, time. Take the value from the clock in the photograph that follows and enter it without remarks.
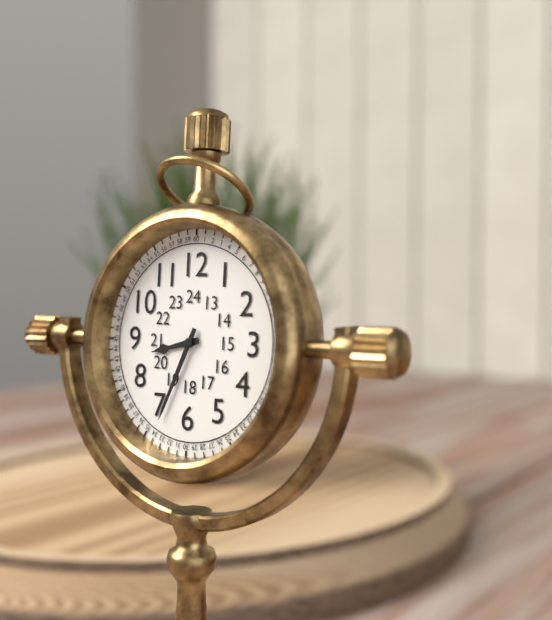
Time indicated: 8:34
